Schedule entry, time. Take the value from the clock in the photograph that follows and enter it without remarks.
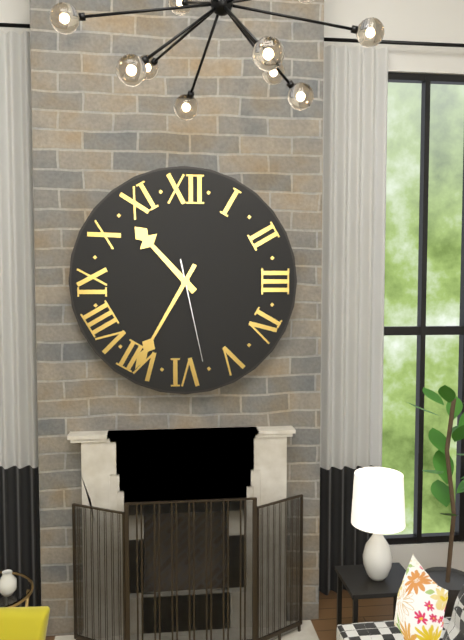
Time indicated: 10:35:28
